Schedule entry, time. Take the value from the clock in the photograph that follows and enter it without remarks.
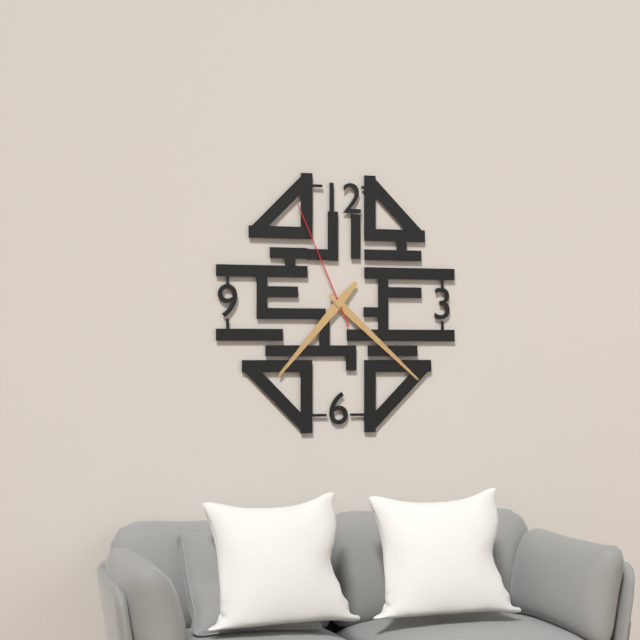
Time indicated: 7:22:56
